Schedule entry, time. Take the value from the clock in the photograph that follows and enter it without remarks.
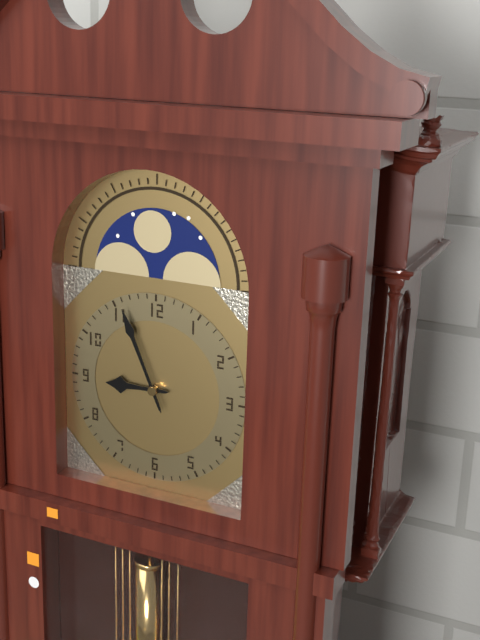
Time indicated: 8:56
